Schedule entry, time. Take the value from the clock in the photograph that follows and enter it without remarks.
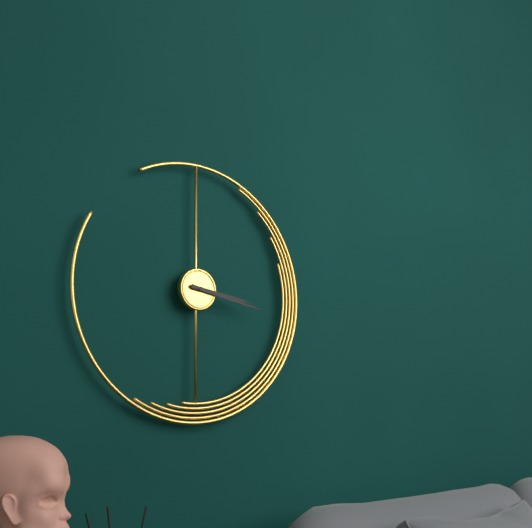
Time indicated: 3:17
